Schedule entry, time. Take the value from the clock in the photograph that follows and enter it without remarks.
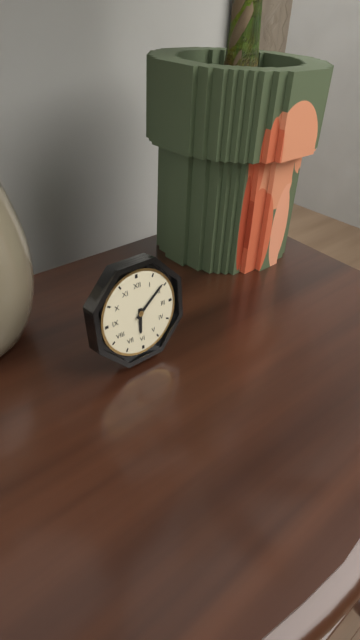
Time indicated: 6:09
